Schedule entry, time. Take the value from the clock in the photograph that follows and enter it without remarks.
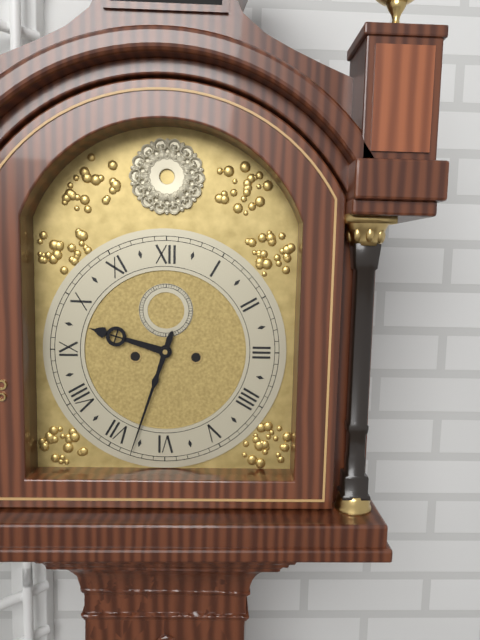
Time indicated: 9:33
